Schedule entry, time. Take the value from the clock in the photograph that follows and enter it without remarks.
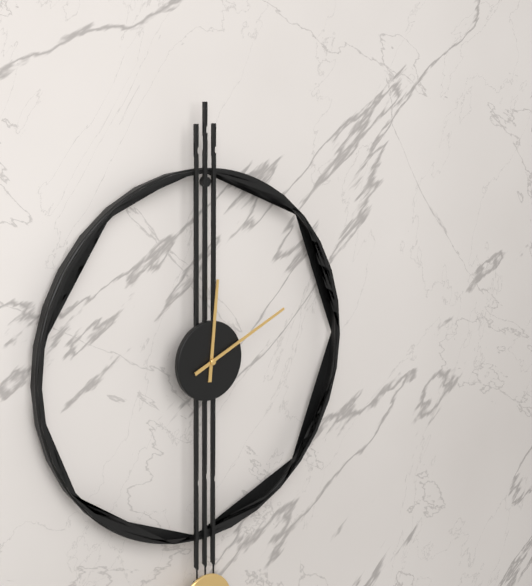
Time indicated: 12:11
